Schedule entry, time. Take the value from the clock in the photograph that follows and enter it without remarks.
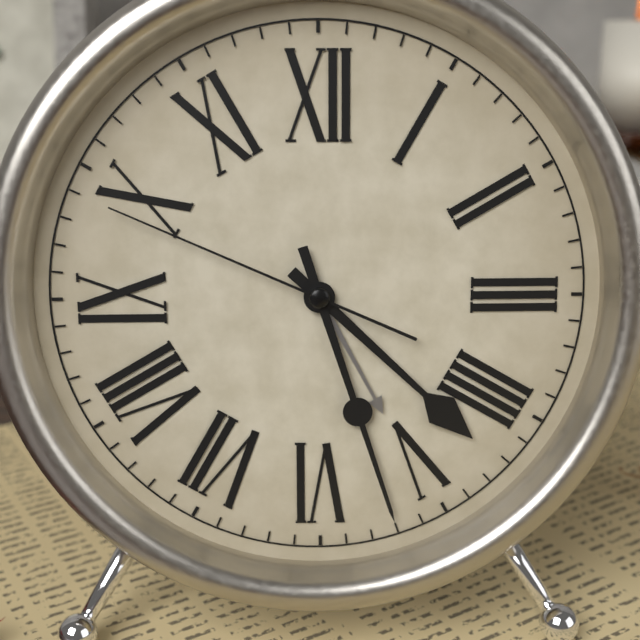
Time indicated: 4:27:49
